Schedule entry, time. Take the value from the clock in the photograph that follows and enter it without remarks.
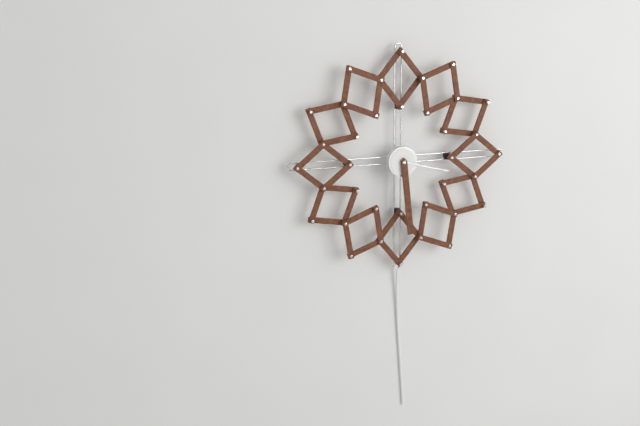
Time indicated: 3:29
